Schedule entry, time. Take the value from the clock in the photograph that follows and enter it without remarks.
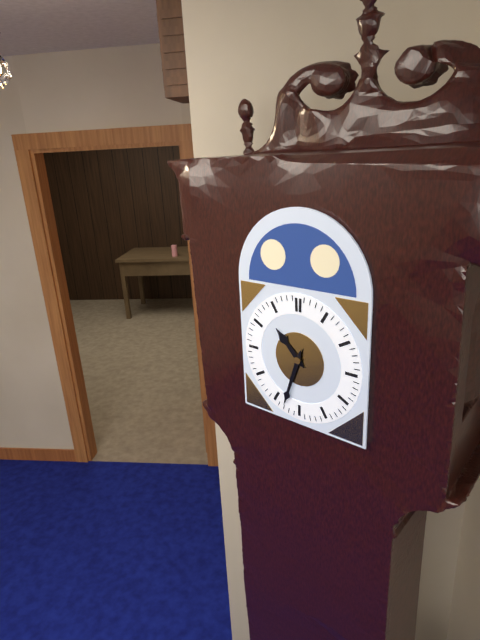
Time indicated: 10:33
